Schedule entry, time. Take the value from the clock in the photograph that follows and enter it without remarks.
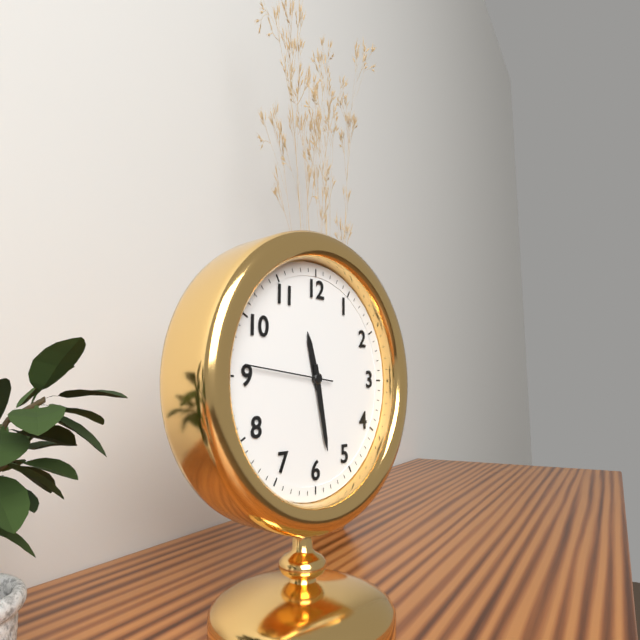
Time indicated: 11:28:46
